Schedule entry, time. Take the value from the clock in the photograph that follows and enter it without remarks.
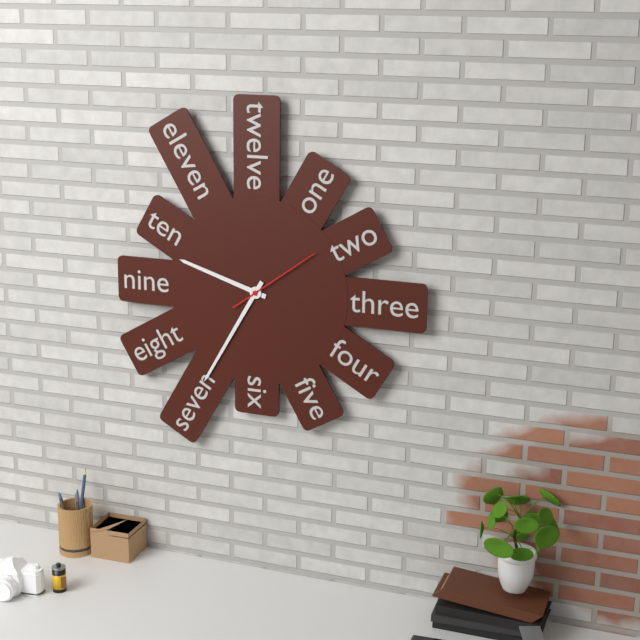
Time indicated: 9:35:09
